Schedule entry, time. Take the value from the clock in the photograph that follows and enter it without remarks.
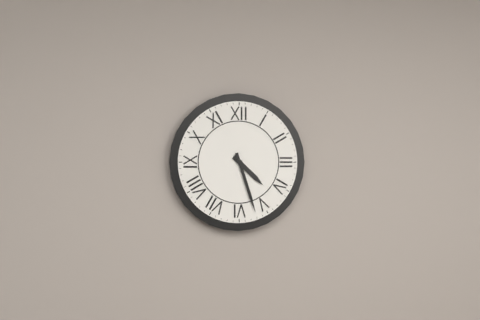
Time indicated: 4:27
